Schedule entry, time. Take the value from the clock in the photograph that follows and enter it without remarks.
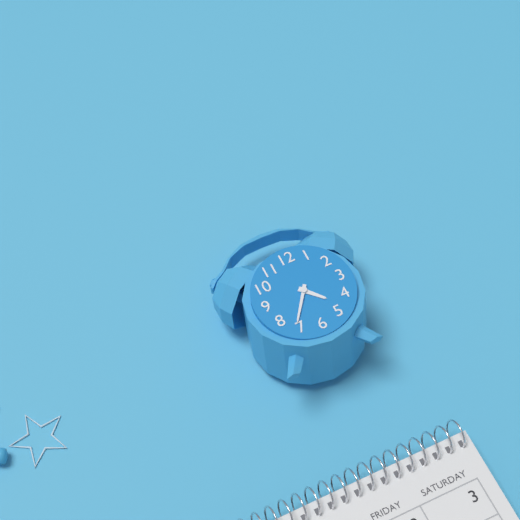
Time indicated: 4:36
